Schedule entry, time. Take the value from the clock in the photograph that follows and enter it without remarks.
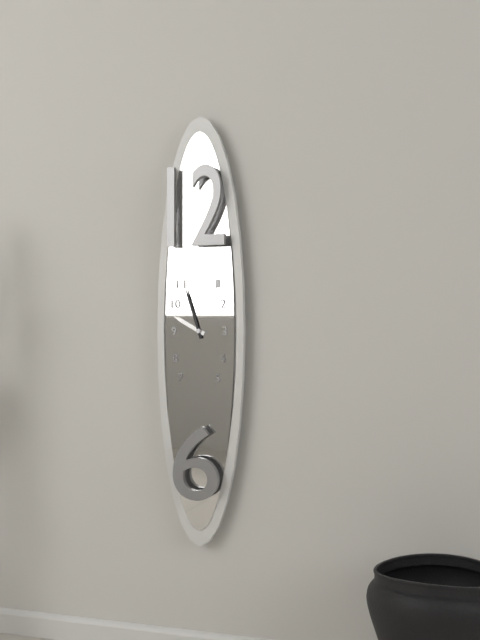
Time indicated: 9:57
